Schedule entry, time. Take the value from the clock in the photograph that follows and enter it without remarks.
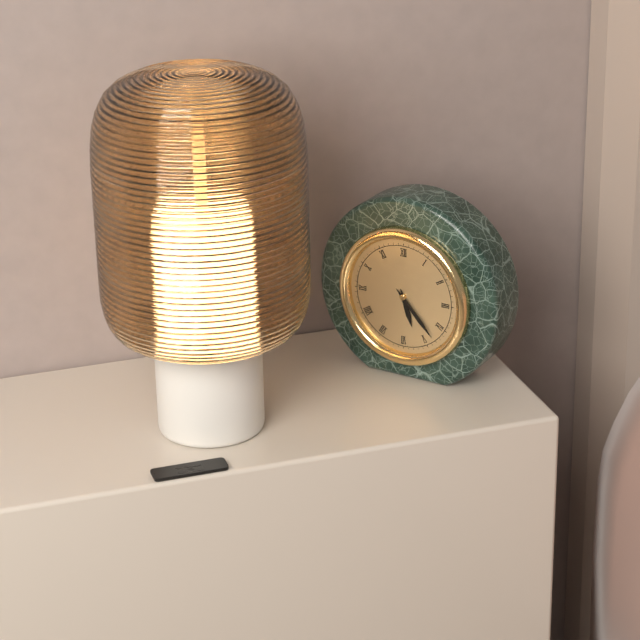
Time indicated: 5:23
